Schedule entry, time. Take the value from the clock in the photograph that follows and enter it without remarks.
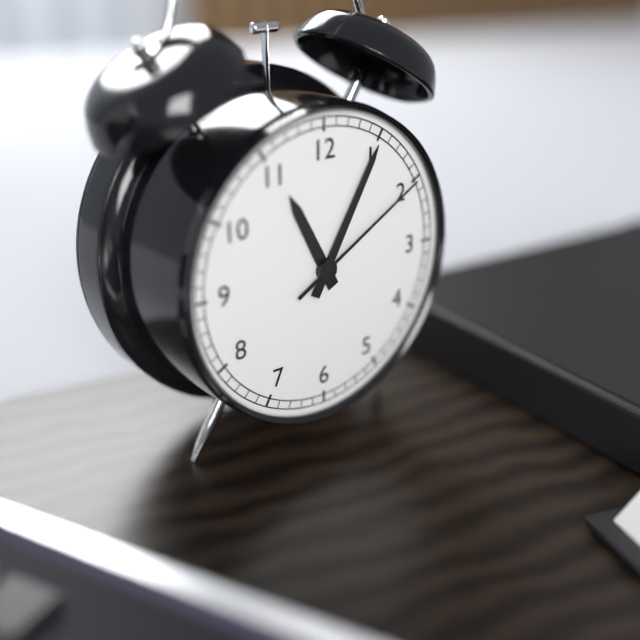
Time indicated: 11:05:10
